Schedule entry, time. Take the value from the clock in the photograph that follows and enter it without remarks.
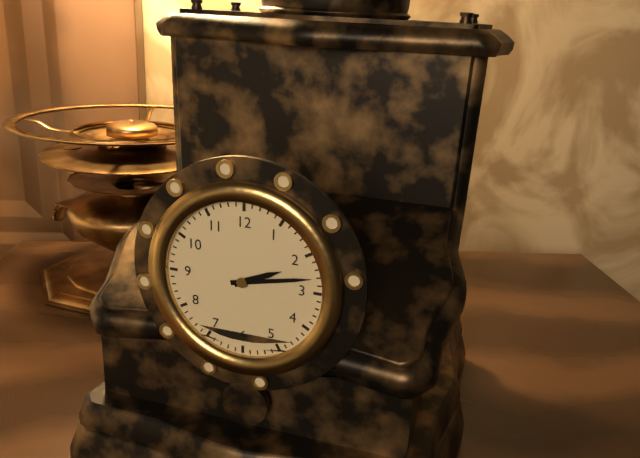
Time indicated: 2:13
